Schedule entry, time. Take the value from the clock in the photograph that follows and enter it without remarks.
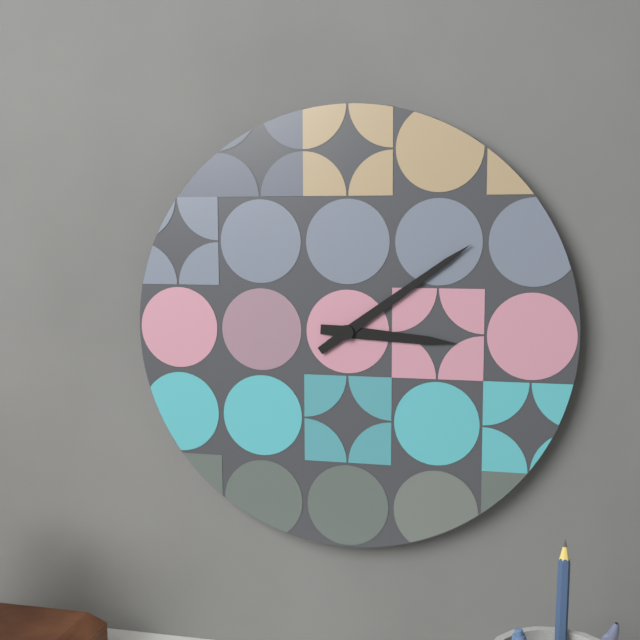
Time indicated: 3:09
